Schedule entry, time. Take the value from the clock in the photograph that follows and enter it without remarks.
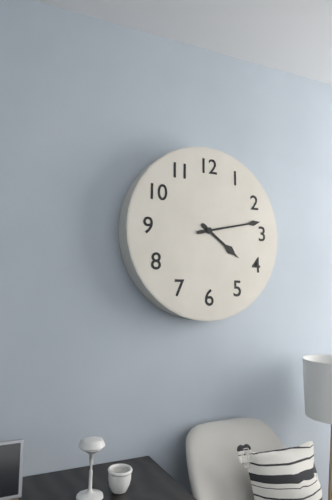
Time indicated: 4:13
